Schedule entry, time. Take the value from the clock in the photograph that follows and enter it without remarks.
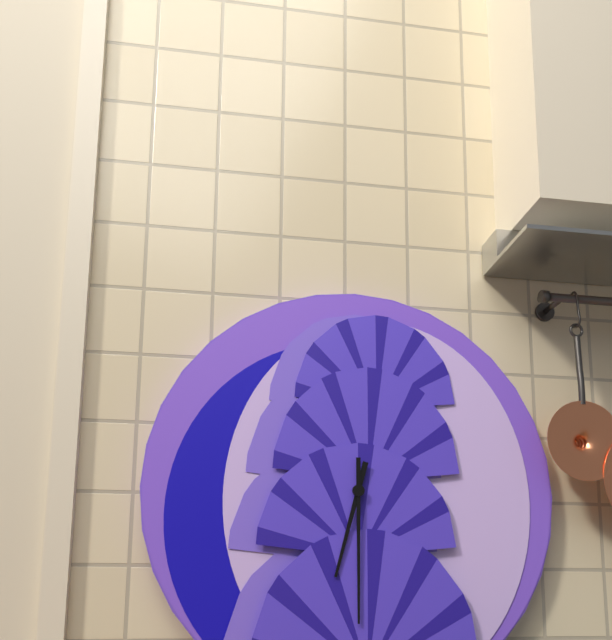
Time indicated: 6:30
